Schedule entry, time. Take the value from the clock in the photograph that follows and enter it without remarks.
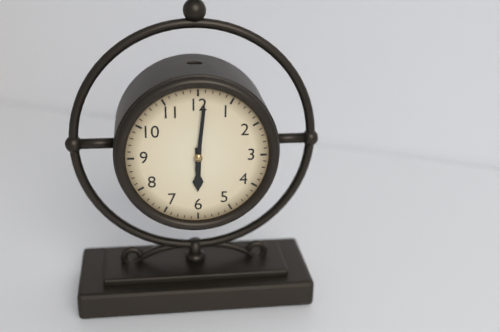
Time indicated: 6:01
